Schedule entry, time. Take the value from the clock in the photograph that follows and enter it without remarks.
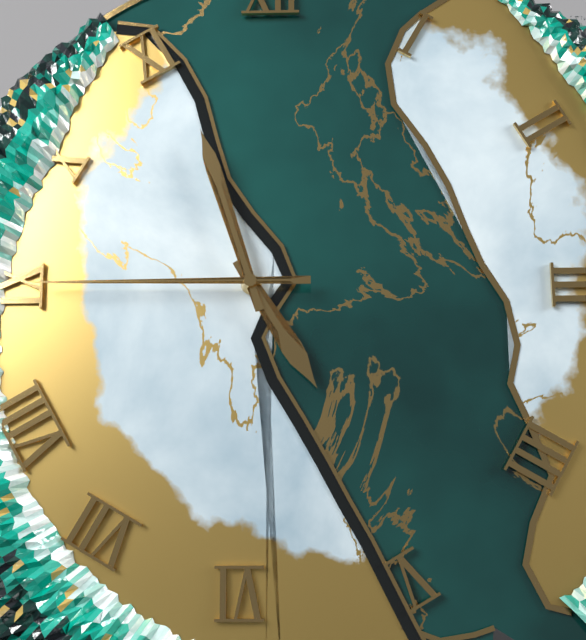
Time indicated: 4:57:45
